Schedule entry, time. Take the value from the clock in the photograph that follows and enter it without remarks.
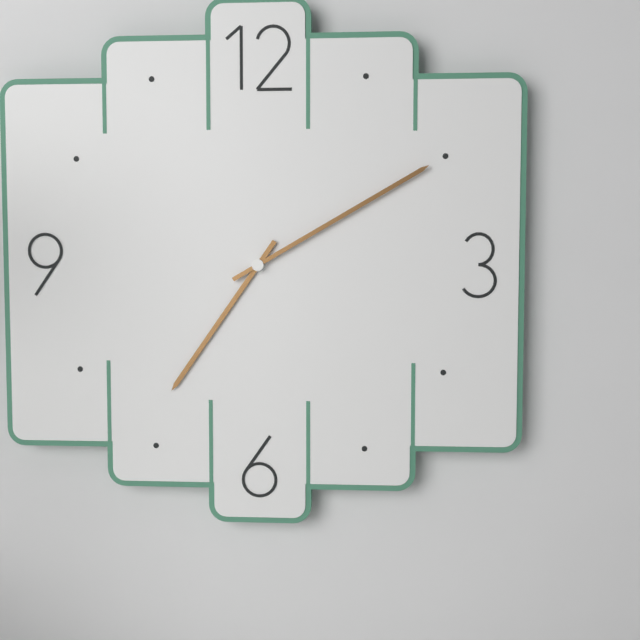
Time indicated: 7:10
